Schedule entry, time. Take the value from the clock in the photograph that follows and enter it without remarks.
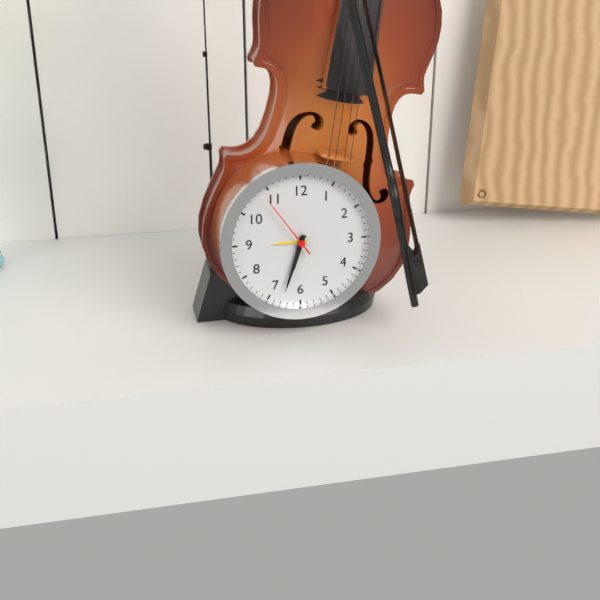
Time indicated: 6:33:54
